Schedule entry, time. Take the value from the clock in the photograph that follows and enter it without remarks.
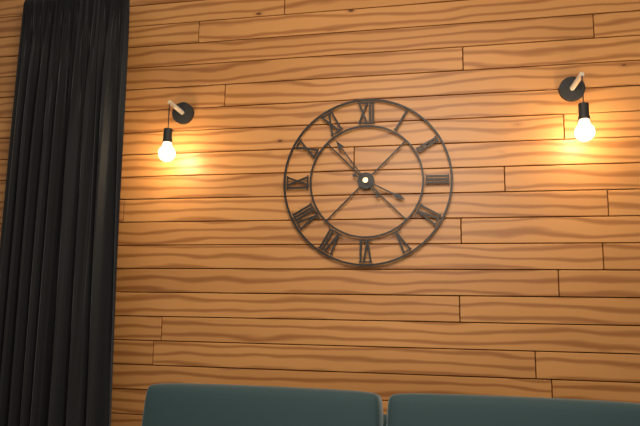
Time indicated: 3:54
